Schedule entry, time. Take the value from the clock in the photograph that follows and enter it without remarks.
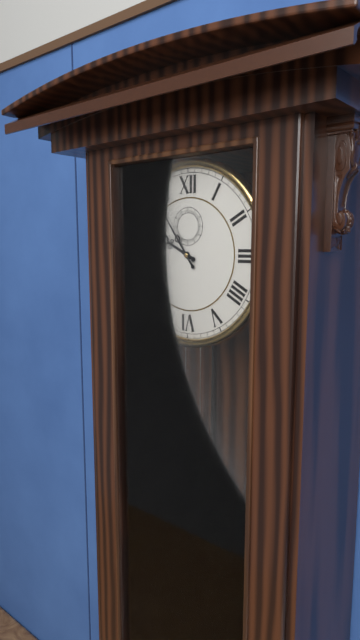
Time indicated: 9:54
